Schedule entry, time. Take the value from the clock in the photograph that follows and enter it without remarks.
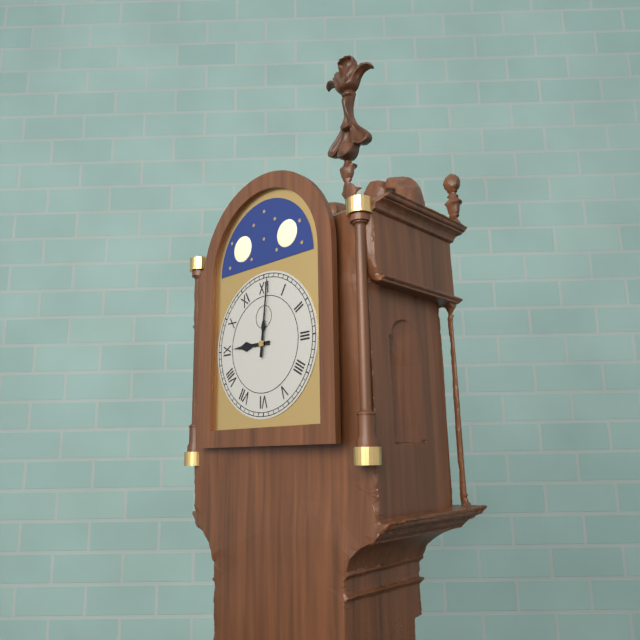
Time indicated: 9:01
